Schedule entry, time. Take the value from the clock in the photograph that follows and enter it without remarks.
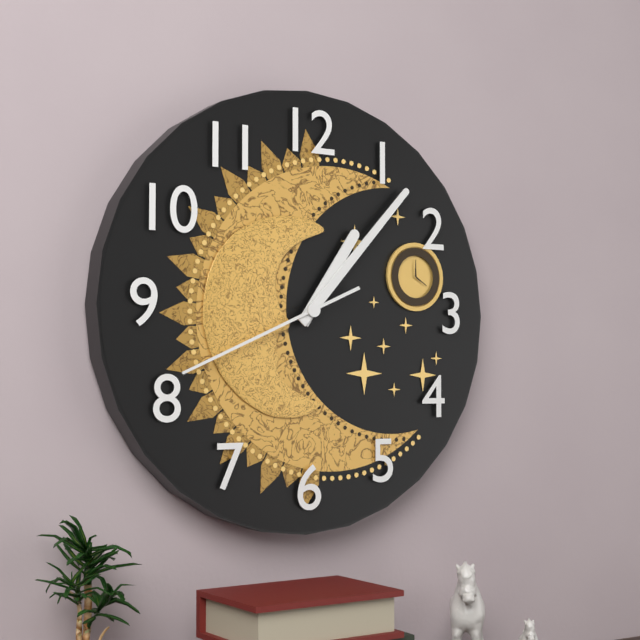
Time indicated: 1:07:41
